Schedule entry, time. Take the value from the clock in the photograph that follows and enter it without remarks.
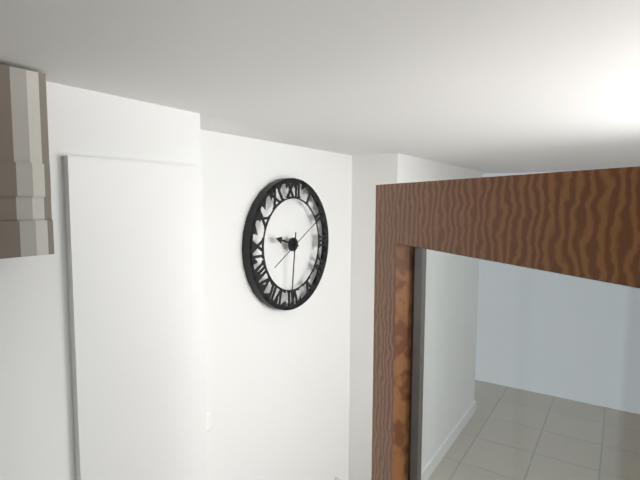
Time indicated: 9:31:10
